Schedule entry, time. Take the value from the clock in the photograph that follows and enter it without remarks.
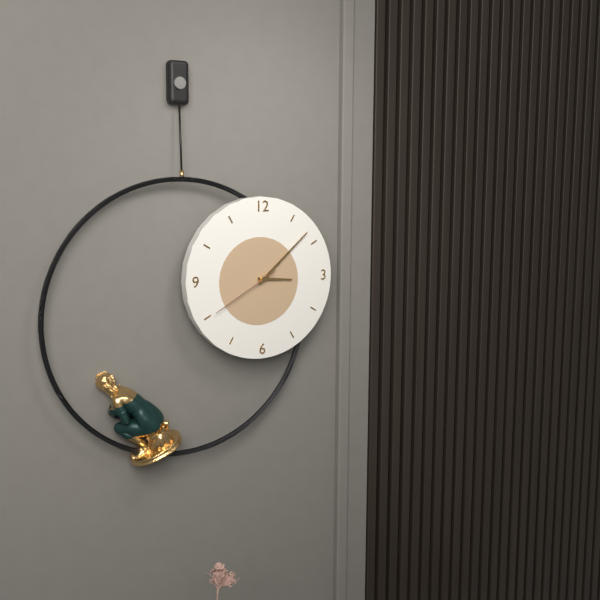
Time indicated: 3:08:40
